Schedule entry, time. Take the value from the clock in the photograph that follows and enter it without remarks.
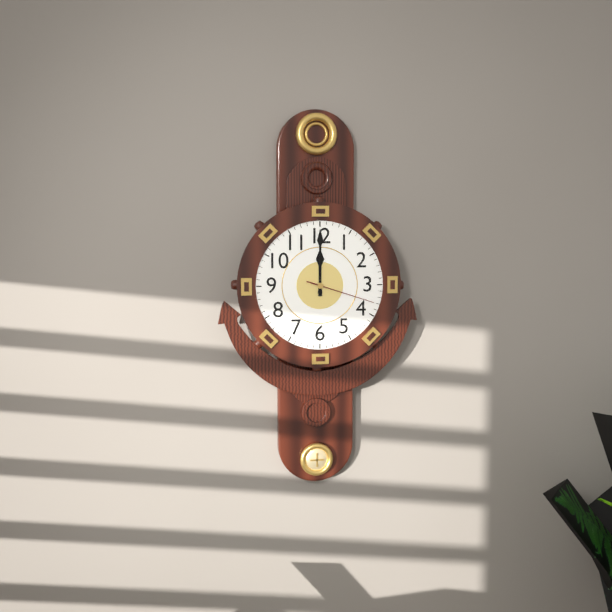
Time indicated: 12:00:18
